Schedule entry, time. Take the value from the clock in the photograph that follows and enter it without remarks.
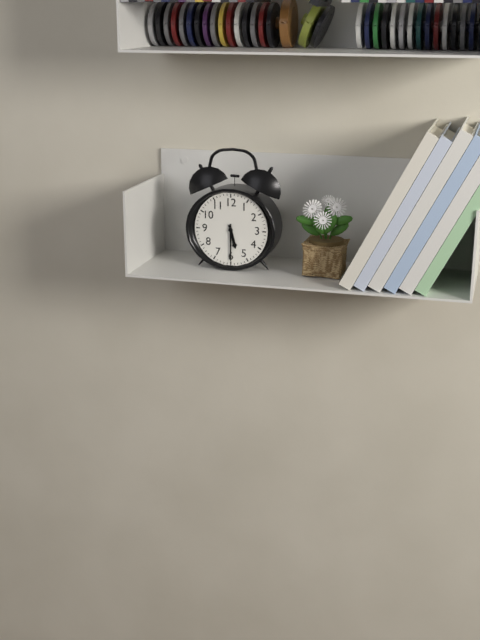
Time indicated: 5:30
